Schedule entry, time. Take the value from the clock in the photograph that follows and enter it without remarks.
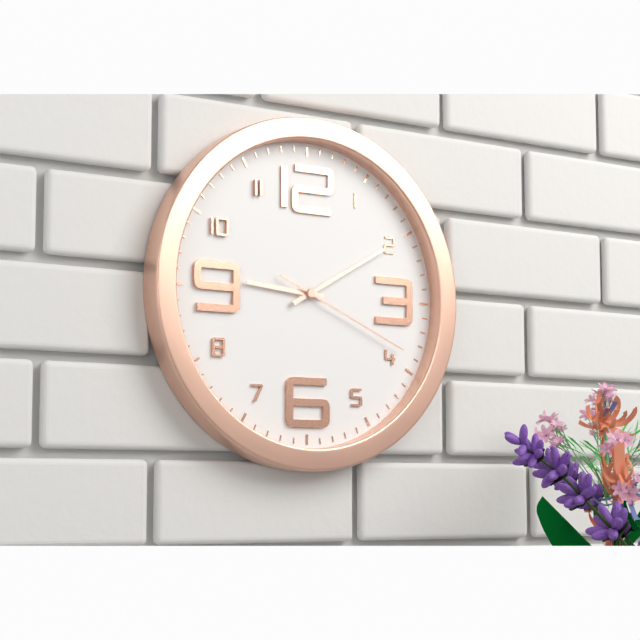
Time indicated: 9:10:19
